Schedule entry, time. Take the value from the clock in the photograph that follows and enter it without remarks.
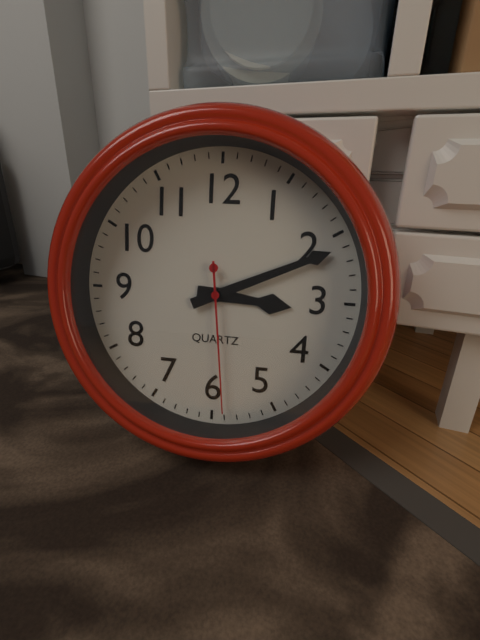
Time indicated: 3:11:29
